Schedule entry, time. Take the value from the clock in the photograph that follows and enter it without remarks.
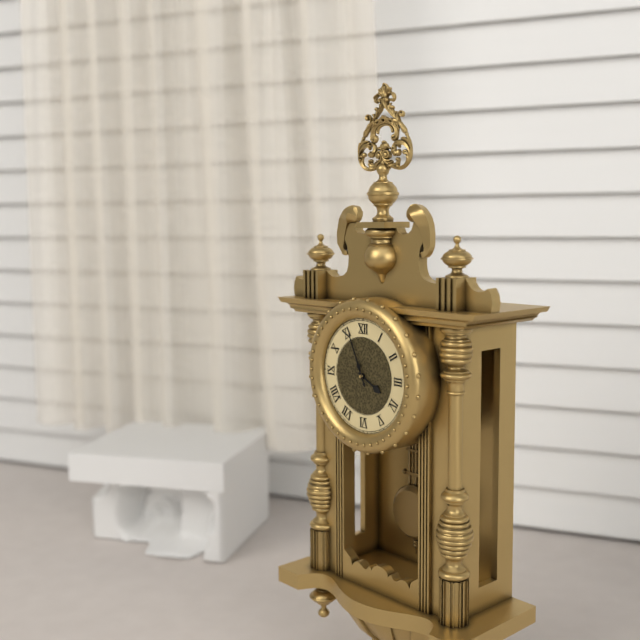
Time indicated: 3:56
